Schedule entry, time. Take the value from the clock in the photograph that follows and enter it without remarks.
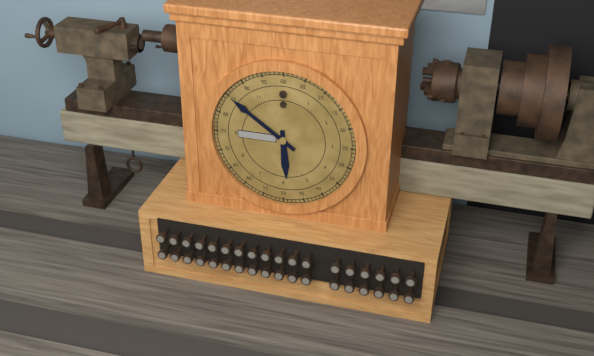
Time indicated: 5:51
